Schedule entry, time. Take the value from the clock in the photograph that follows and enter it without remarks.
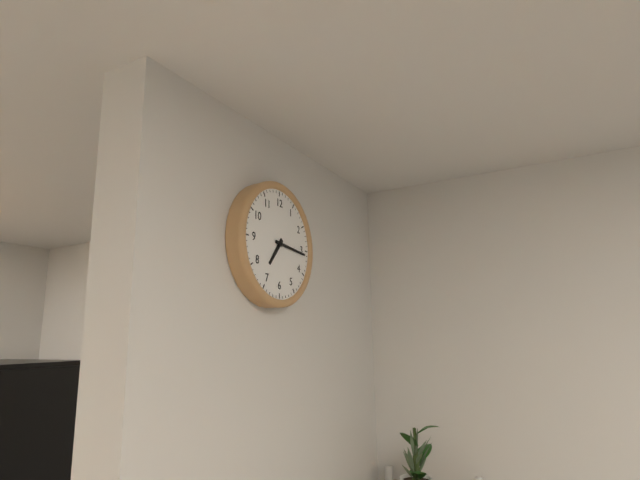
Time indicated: 7:16
